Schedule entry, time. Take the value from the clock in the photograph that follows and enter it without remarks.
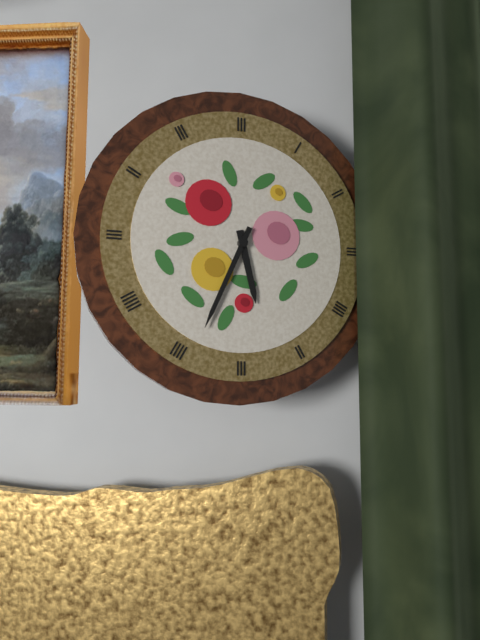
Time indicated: 5:34
